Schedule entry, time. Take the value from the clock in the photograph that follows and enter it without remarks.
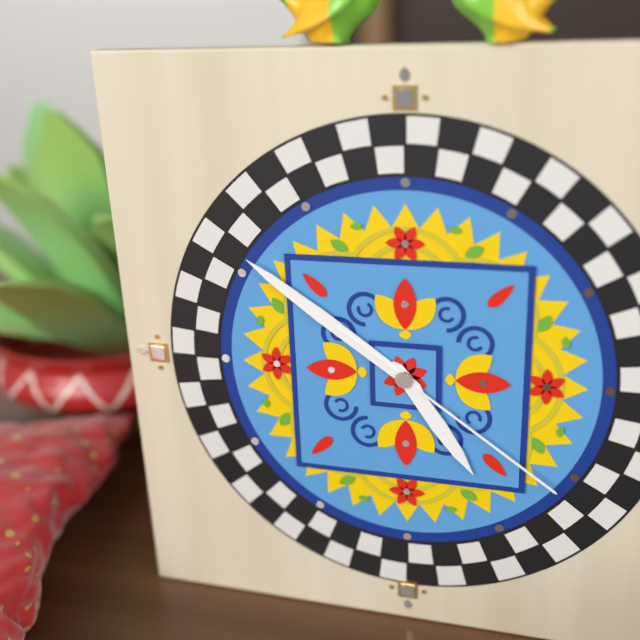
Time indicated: 4:51:21
